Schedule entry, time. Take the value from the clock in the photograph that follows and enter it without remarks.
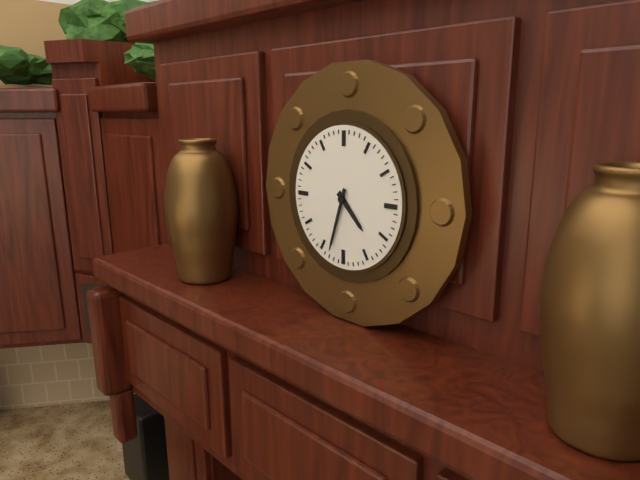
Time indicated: 4:33
